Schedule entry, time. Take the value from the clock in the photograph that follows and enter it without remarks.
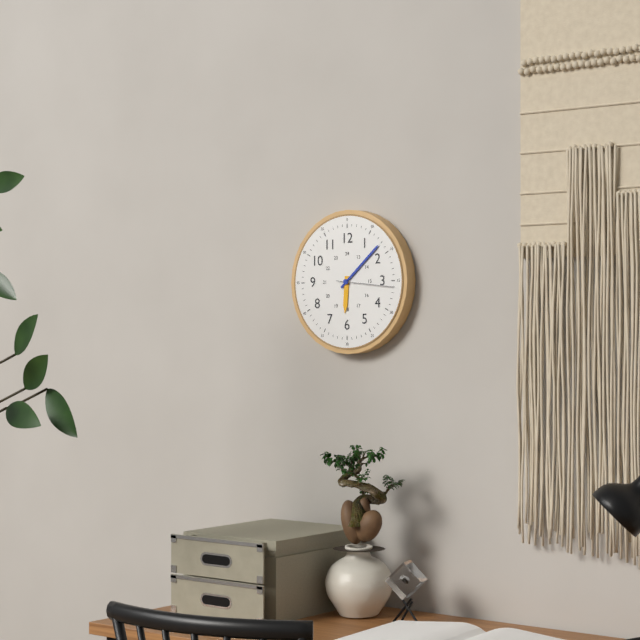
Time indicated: 6:08:16
